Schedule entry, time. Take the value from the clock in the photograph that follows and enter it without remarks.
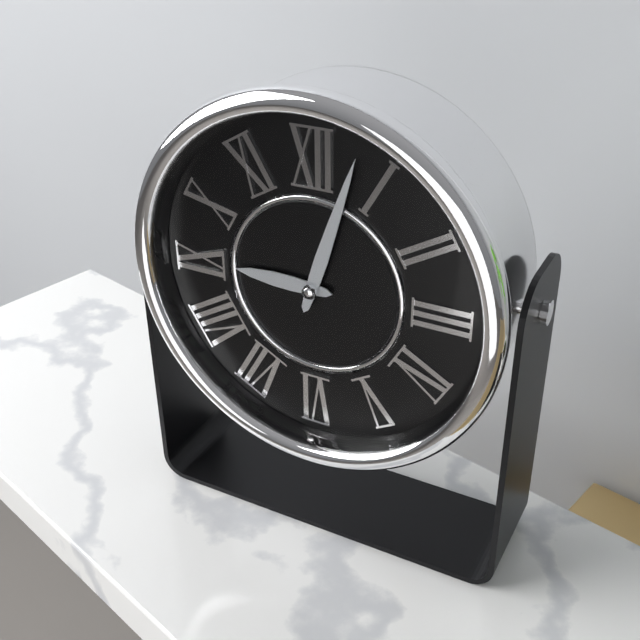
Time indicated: 9:03
